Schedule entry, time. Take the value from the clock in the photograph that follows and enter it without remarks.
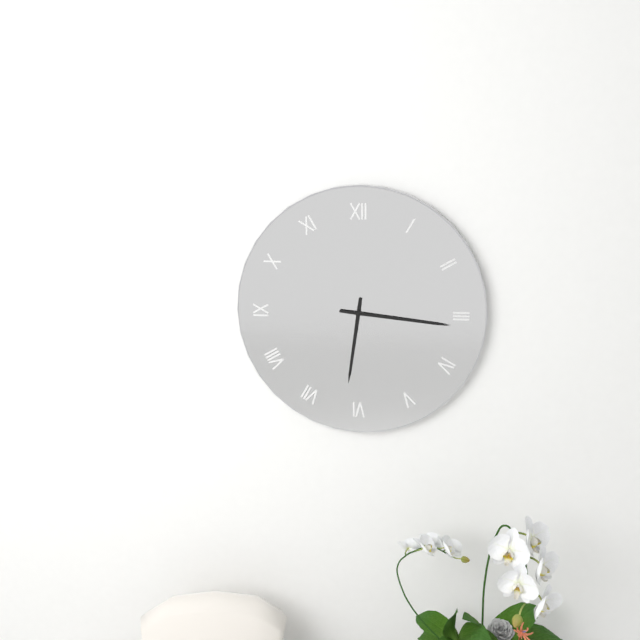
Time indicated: 6:16
